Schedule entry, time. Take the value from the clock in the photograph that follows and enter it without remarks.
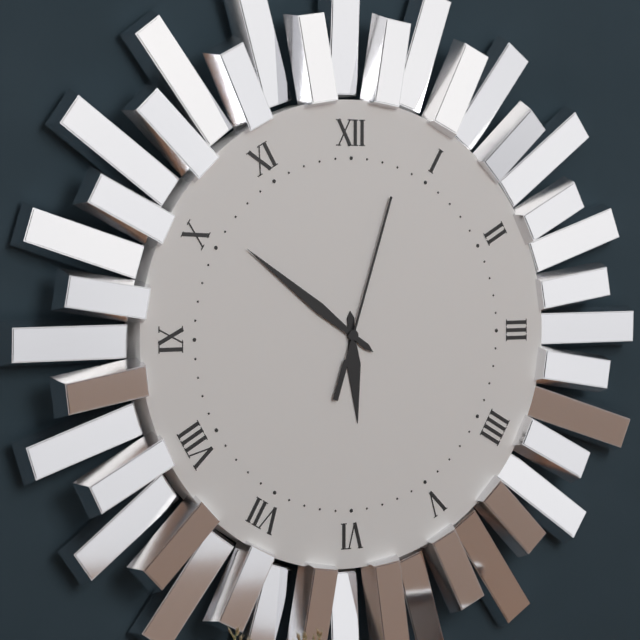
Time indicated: 5:51:03
